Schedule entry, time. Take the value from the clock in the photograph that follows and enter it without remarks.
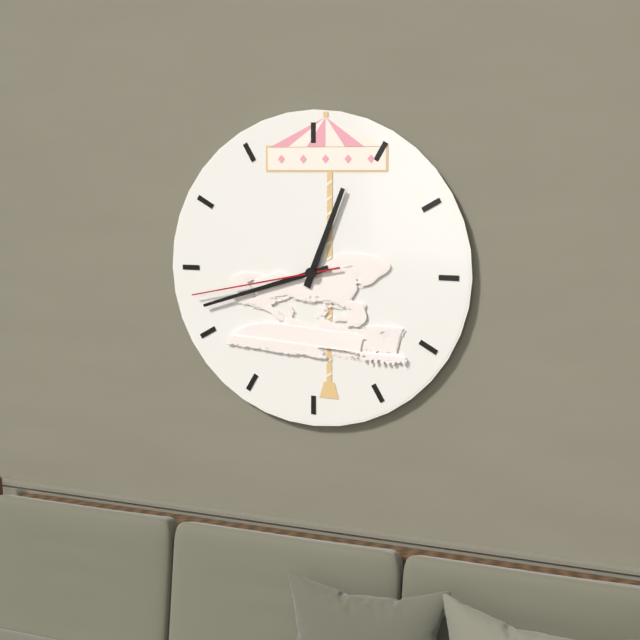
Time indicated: 12:42:43
